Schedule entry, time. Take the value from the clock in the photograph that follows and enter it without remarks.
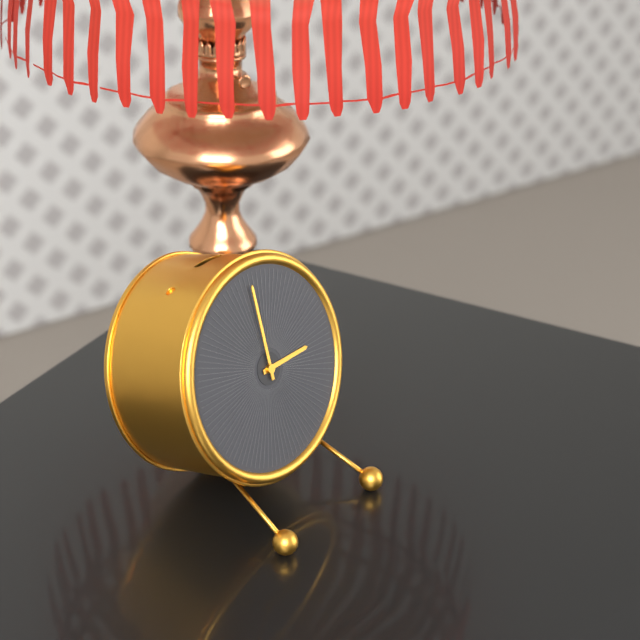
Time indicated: 3:00
